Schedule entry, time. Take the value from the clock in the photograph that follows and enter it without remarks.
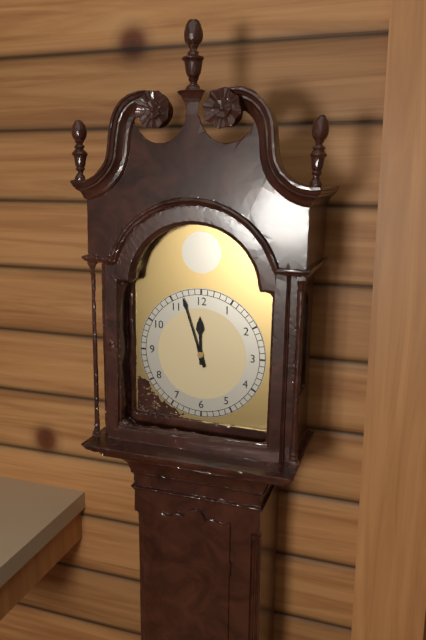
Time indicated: 11:57
